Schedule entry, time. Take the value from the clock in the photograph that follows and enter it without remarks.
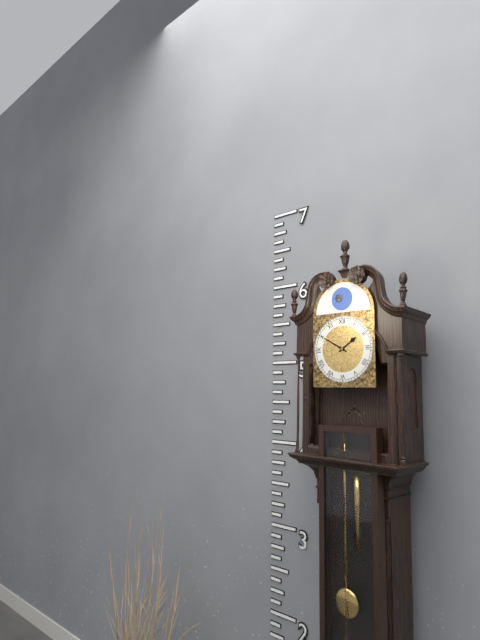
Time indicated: 1:50
